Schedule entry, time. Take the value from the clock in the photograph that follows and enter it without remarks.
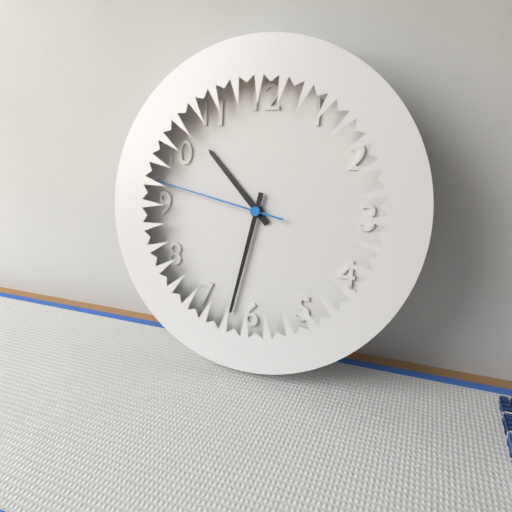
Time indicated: 10:32:47
